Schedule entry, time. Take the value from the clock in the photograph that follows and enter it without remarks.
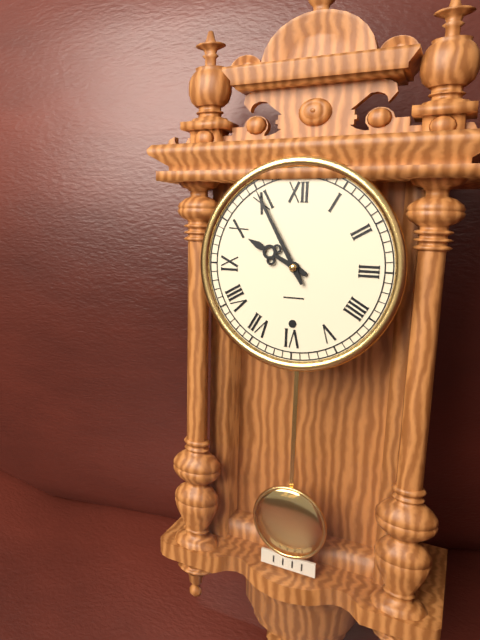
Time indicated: 9:55
